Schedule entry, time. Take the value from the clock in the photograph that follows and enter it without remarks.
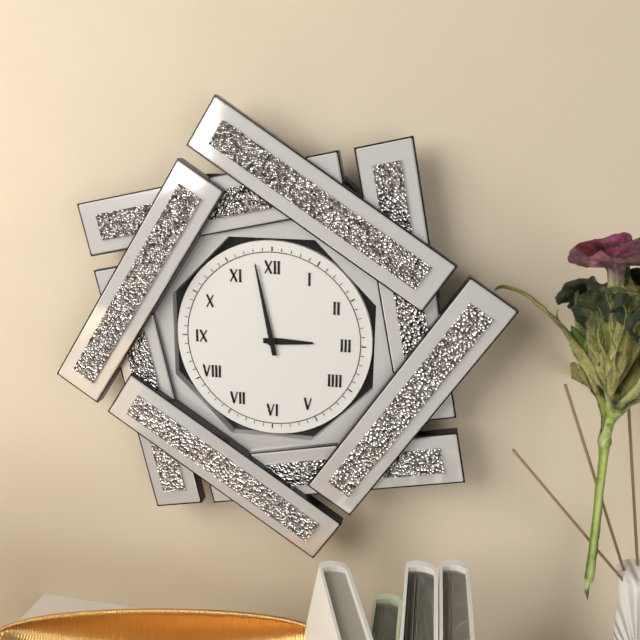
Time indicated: 2:58
